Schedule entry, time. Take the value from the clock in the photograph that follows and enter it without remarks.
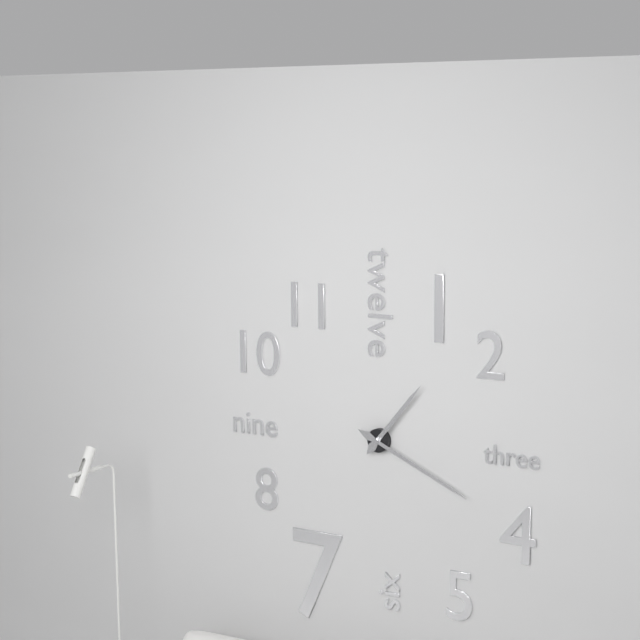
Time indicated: 1:19
